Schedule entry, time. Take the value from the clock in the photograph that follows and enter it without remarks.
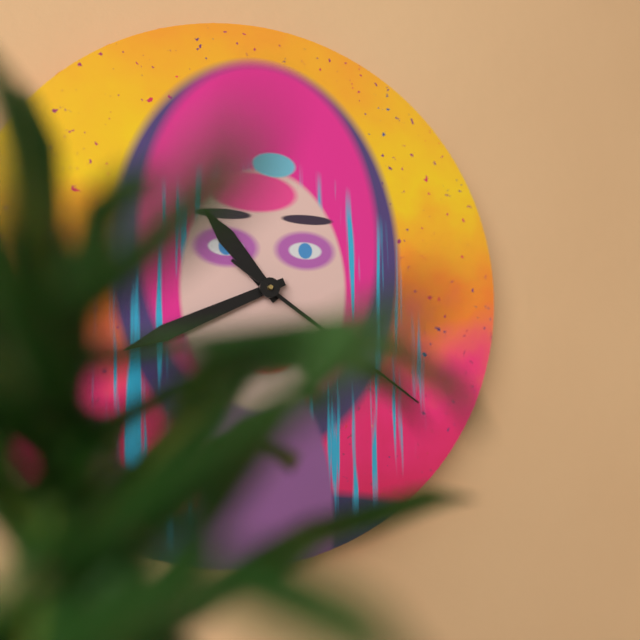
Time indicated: 10:41
